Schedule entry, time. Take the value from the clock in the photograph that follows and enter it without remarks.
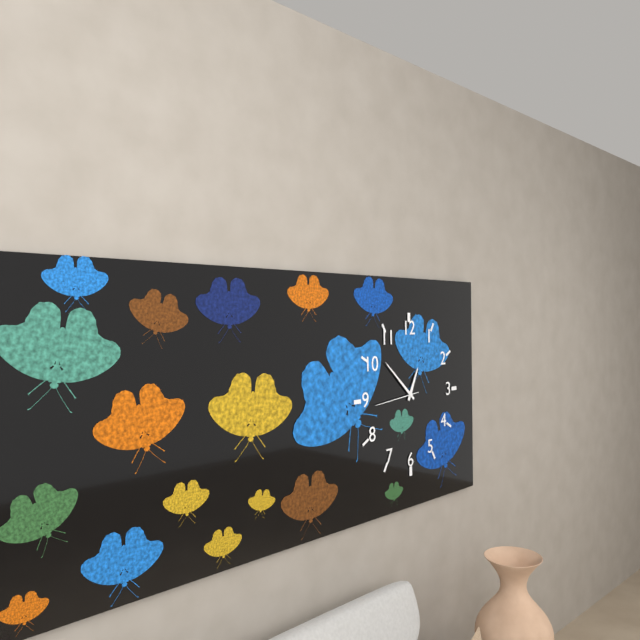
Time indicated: 12:52
